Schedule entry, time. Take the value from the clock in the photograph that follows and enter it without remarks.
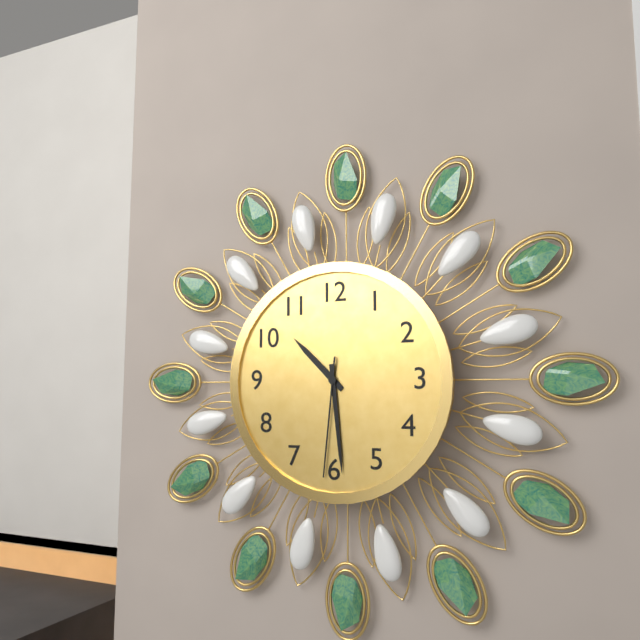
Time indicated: 10:29:31
